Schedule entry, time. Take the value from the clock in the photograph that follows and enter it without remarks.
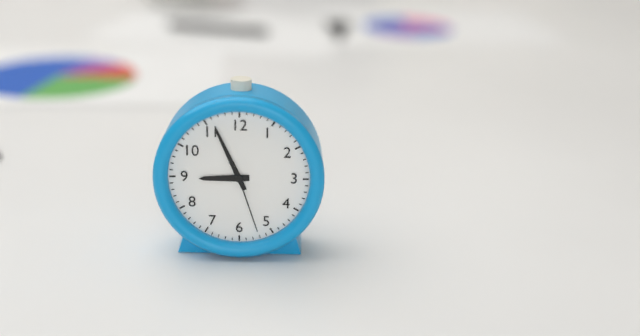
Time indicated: 8:56:27
